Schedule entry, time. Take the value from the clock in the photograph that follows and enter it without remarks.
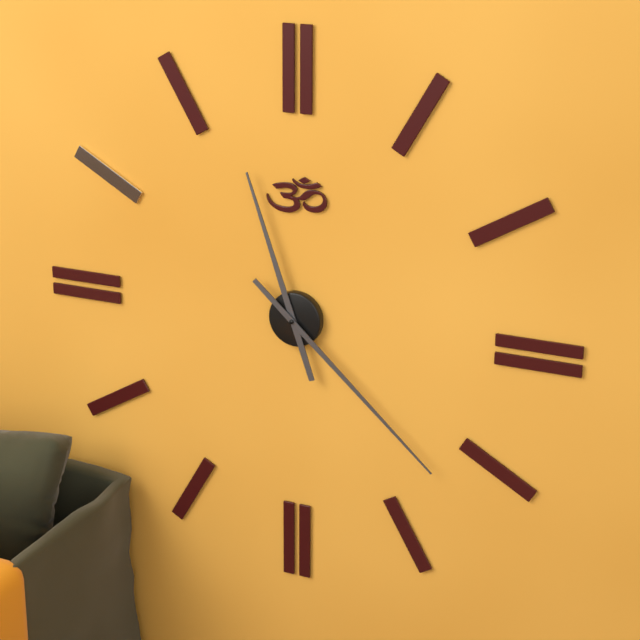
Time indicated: 11:22
